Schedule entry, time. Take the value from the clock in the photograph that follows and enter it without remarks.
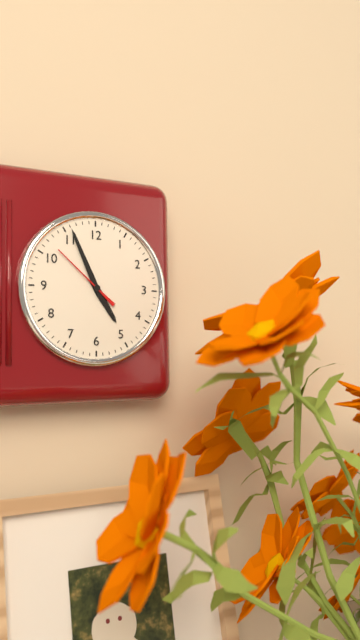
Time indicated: 4:56:52
